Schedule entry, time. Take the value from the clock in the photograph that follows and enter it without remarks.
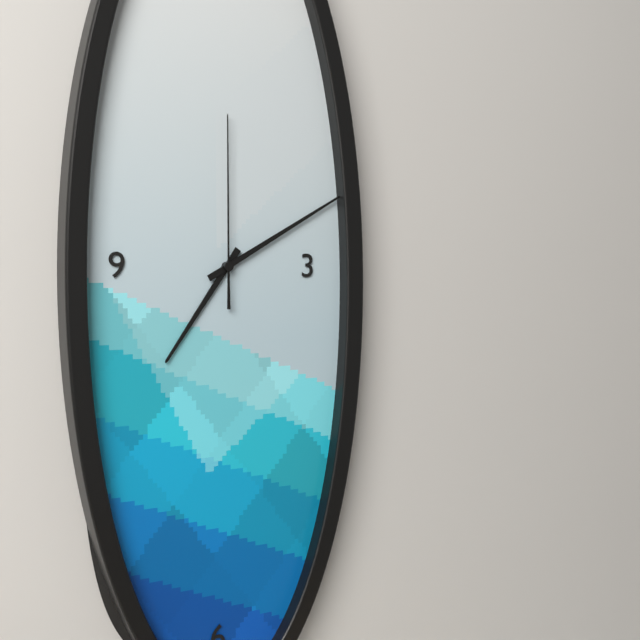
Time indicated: 7:10:00
